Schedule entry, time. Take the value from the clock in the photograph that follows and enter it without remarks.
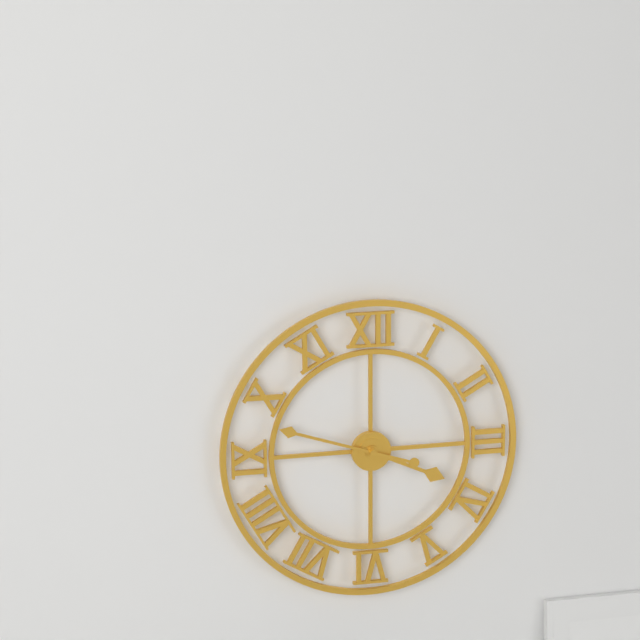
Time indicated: 3:48
